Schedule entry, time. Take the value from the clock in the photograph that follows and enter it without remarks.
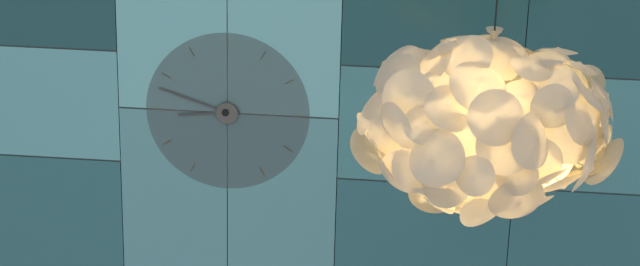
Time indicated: 8:48
